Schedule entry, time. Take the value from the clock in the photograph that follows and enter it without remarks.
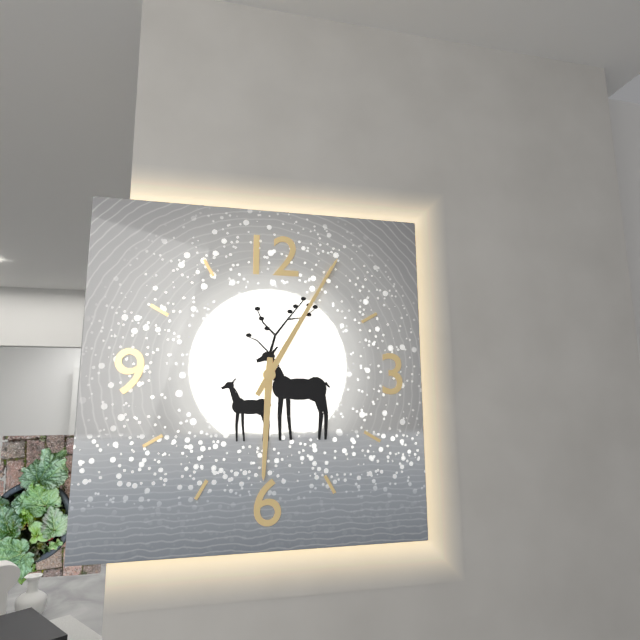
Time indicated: 6:05
